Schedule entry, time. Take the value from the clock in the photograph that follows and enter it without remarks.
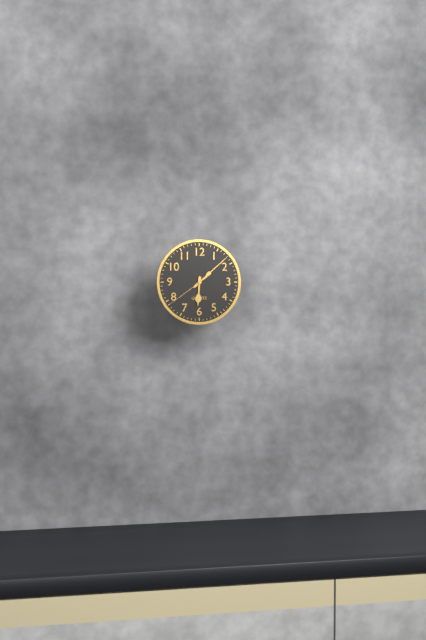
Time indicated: 6:08
